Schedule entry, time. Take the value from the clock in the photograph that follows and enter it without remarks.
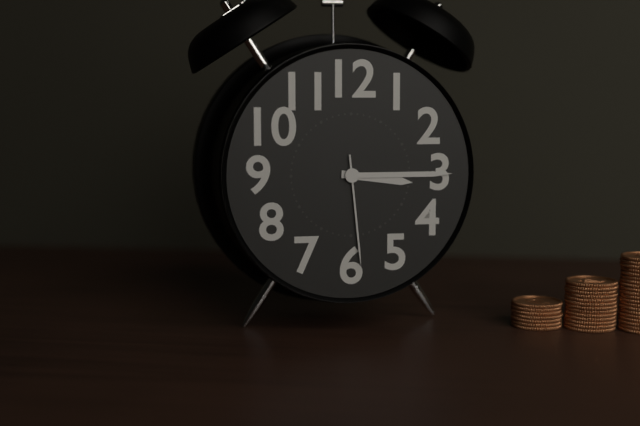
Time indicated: 3:15:29
